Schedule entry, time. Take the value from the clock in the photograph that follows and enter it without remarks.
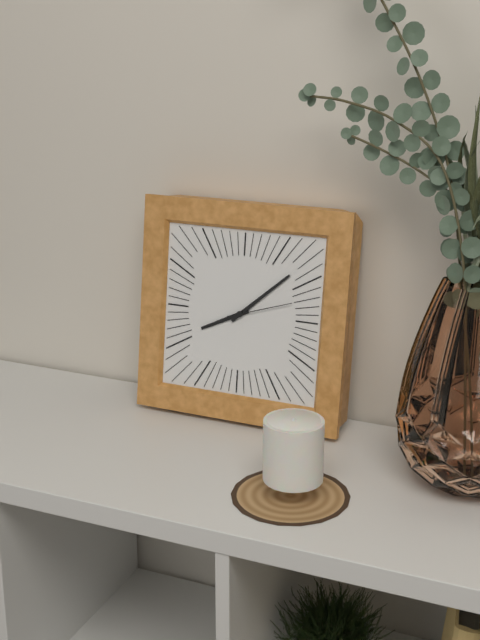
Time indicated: 8:08:12
